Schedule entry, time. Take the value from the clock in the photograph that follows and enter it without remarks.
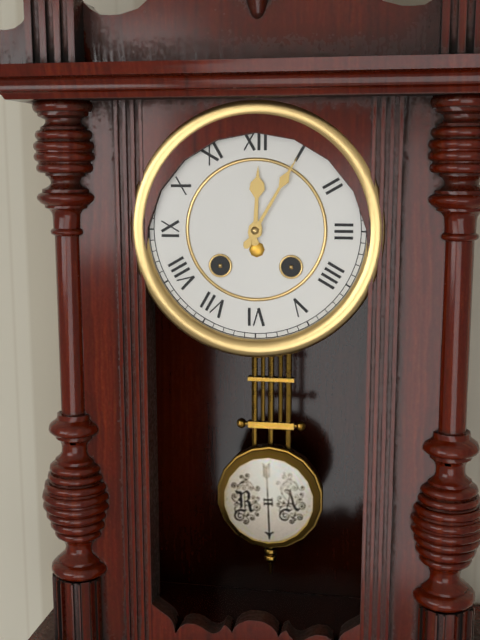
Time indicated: 12:05
